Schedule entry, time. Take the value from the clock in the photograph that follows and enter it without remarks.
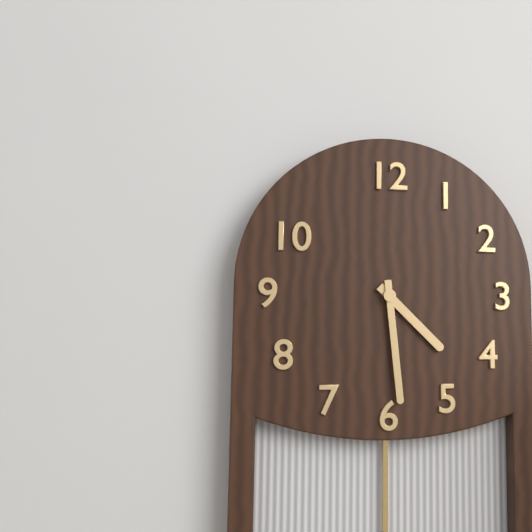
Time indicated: 4:29
